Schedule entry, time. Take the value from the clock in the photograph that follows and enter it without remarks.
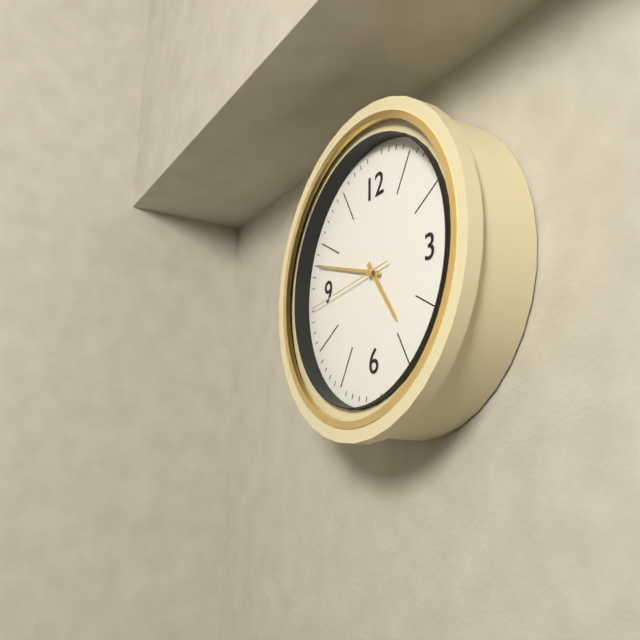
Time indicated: 4:48:44
